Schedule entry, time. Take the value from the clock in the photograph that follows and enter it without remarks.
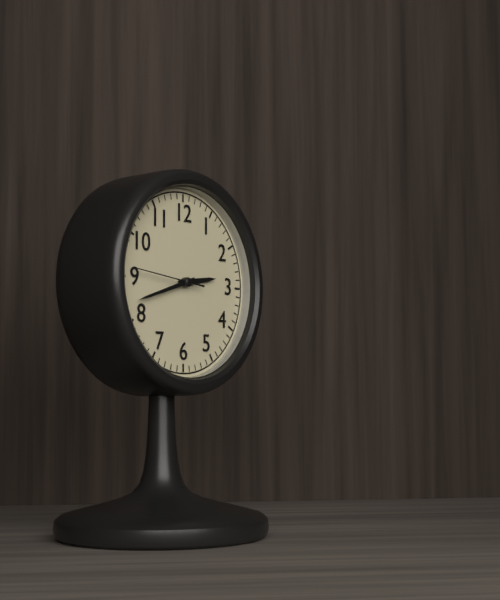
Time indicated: 2:42:46
